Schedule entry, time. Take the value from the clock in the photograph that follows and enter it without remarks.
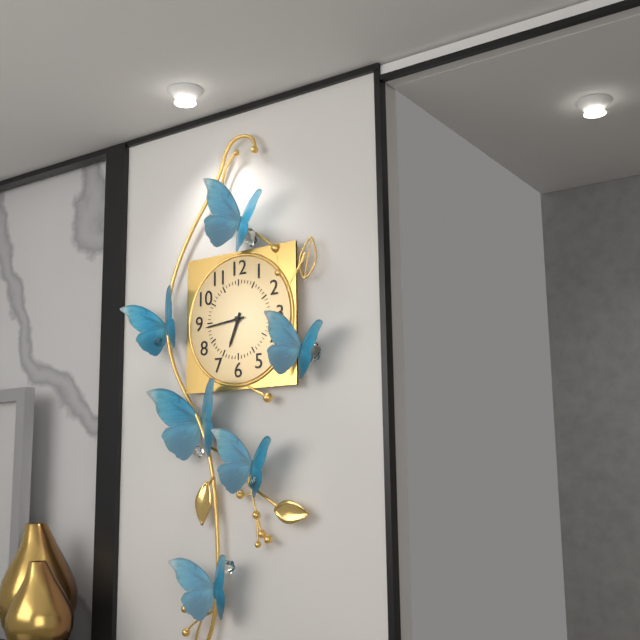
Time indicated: 6:44
